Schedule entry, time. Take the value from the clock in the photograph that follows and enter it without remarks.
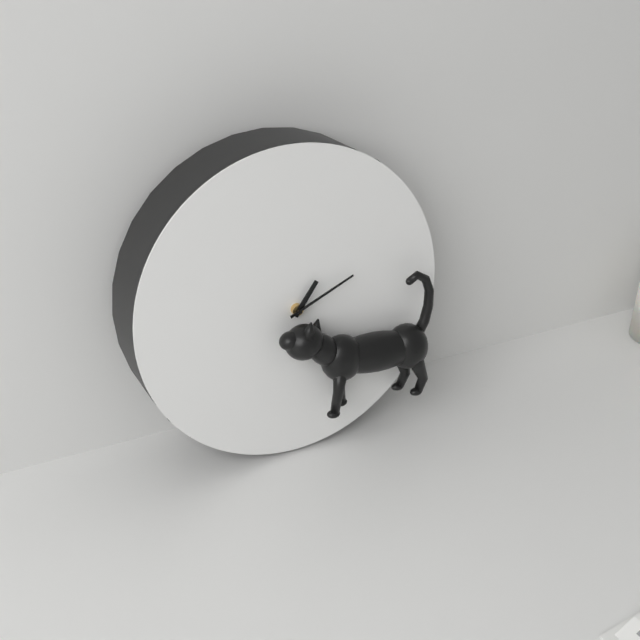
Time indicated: 1:11
